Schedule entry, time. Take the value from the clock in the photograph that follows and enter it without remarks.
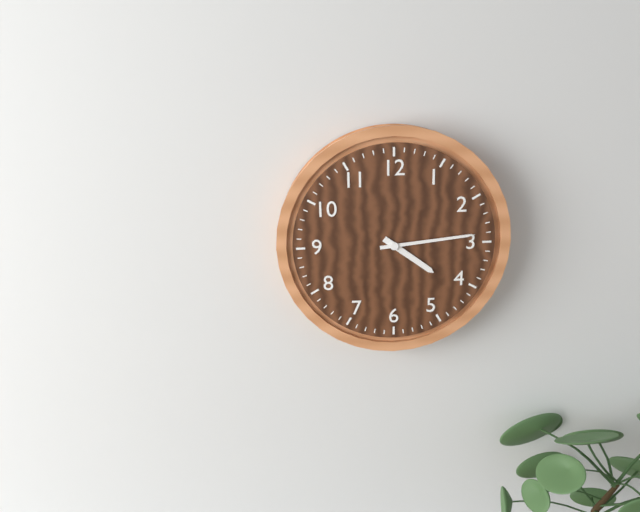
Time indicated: 4:14
